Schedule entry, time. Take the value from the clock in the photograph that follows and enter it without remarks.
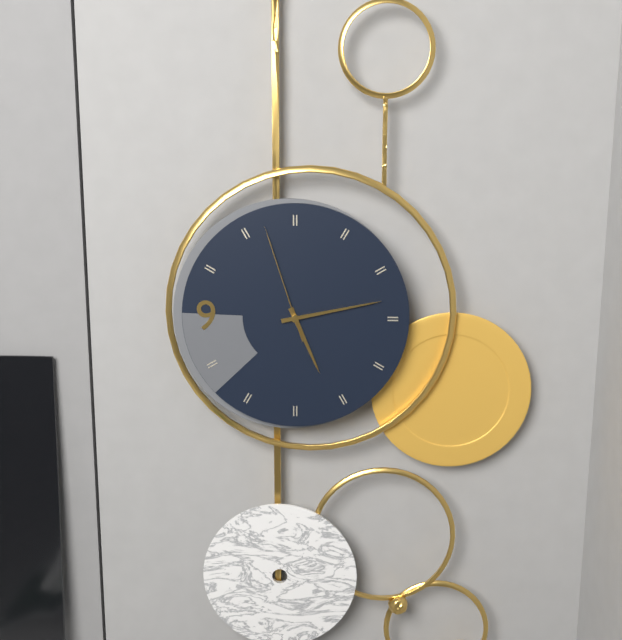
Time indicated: 5:13:57
